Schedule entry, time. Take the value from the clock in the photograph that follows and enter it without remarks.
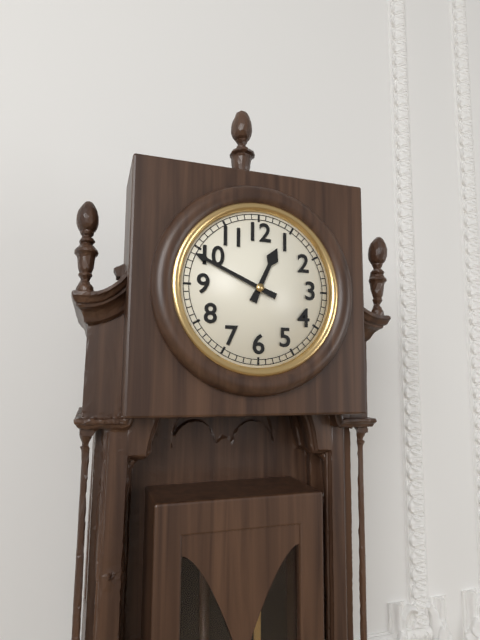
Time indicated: 12:49
